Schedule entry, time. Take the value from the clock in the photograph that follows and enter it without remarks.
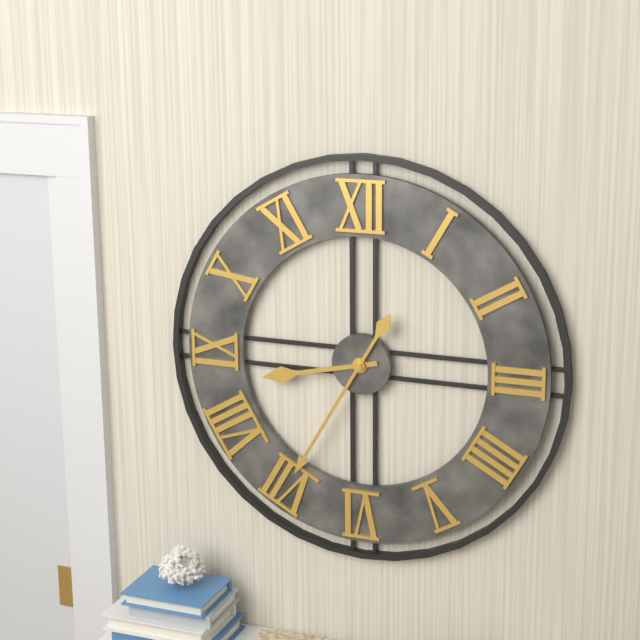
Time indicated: 8:35
